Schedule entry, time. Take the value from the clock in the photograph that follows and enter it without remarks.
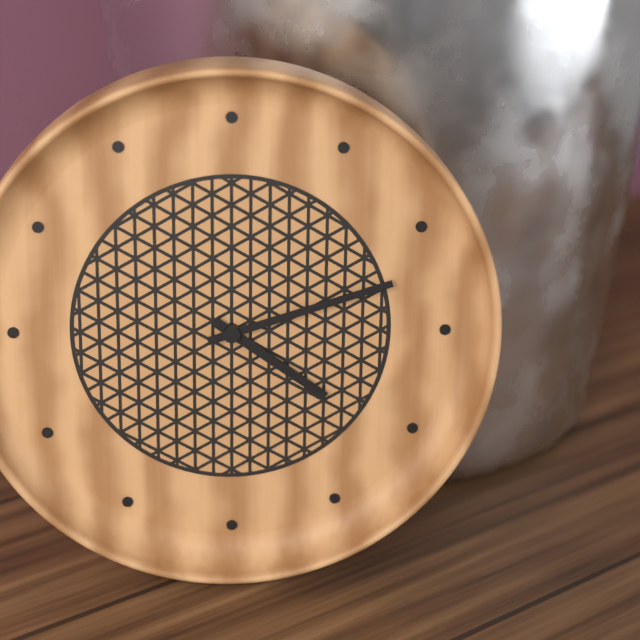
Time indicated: 4:12
